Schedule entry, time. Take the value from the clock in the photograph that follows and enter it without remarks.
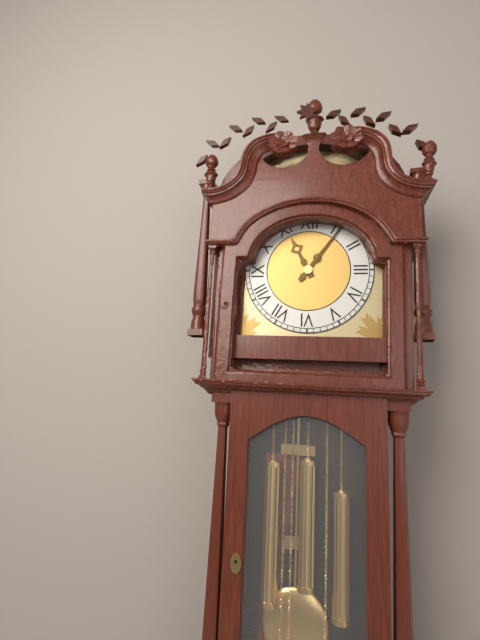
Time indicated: 11:06
